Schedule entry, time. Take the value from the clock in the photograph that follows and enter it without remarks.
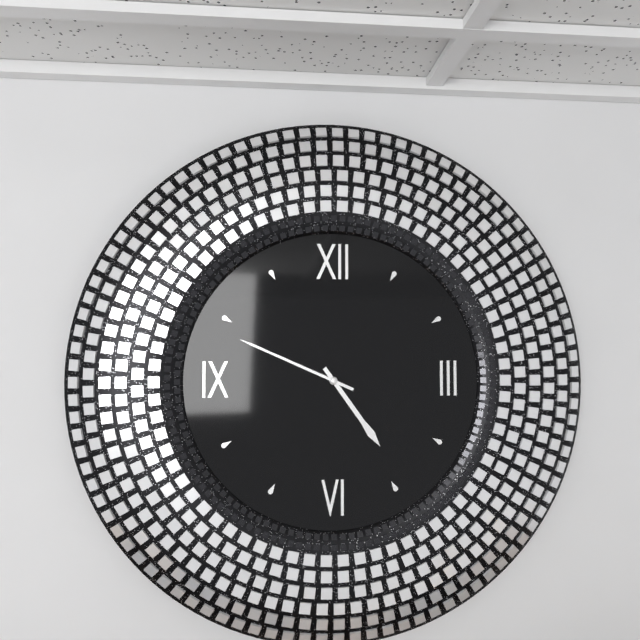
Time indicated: 4:49
